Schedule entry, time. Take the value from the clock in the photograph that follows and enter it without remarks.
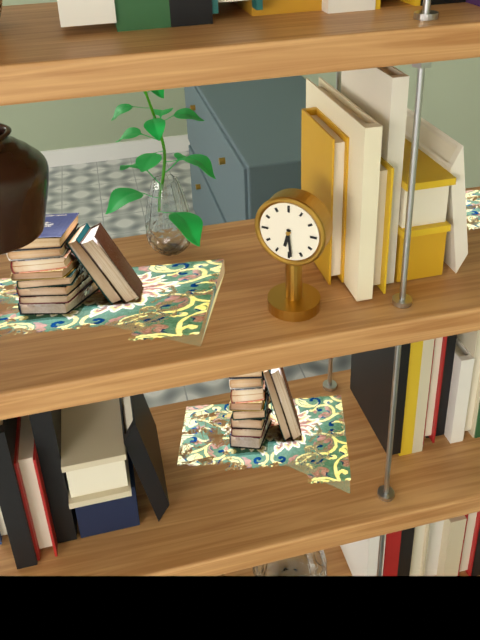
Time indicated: 6:29
